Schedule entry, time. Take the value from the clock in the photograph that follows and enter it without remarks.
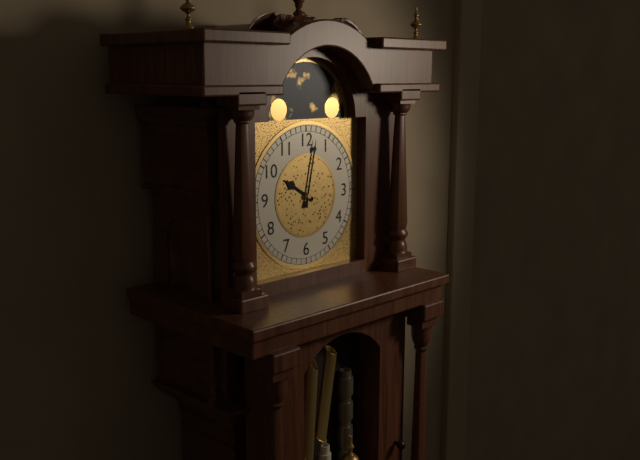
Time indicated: 10:02
